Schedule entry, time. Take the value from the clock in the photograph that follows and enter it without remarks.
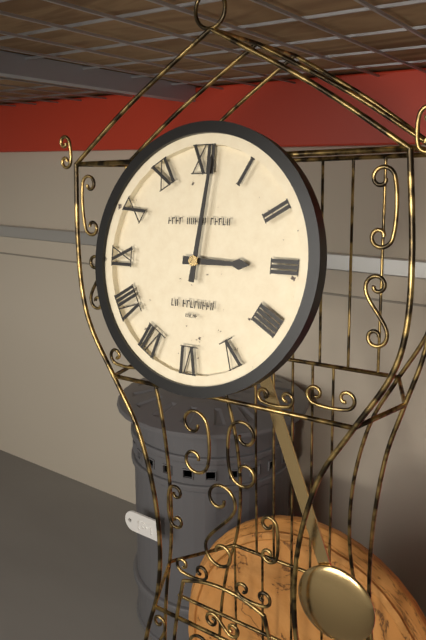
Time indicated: 3:01
